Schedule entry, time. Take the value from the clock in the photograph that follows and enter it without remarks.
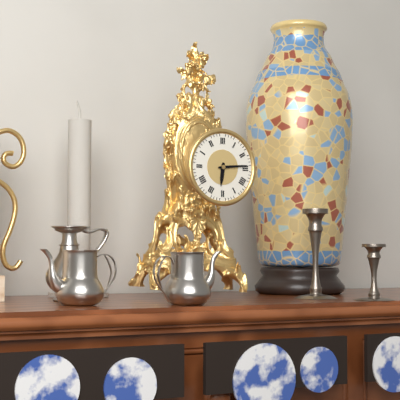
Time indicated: 6:14
